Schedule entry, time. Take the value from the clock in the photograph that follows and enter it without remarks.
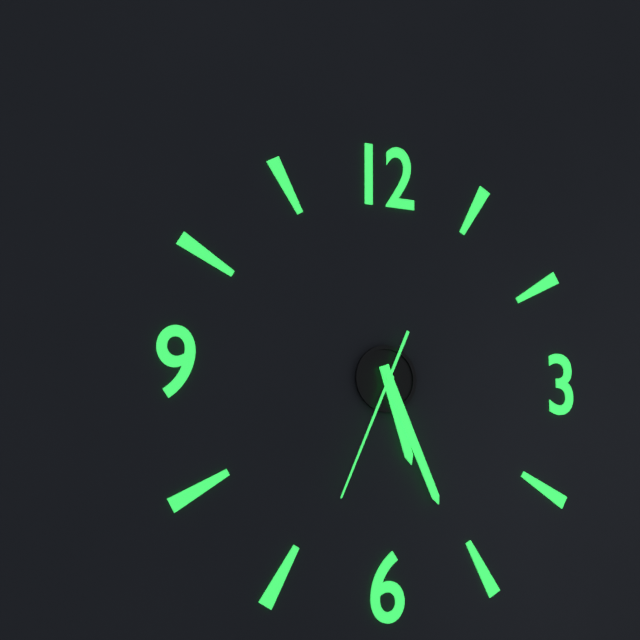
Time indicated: 5:26:34
